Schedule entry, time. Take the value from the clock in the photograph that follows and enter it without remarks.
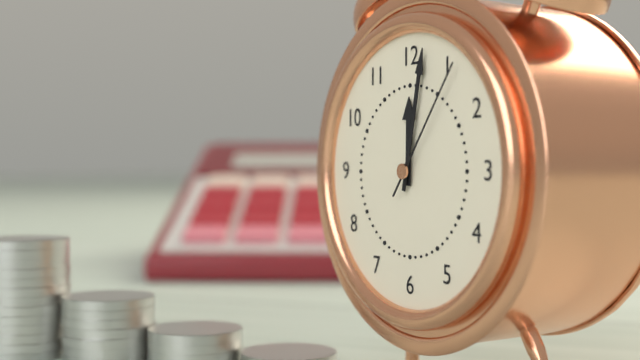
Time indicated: 12:02:06
